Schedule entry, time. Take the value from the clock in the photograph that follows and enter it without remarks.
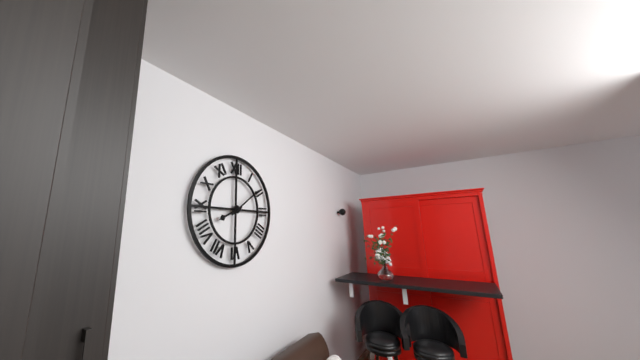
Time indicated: 8:09
